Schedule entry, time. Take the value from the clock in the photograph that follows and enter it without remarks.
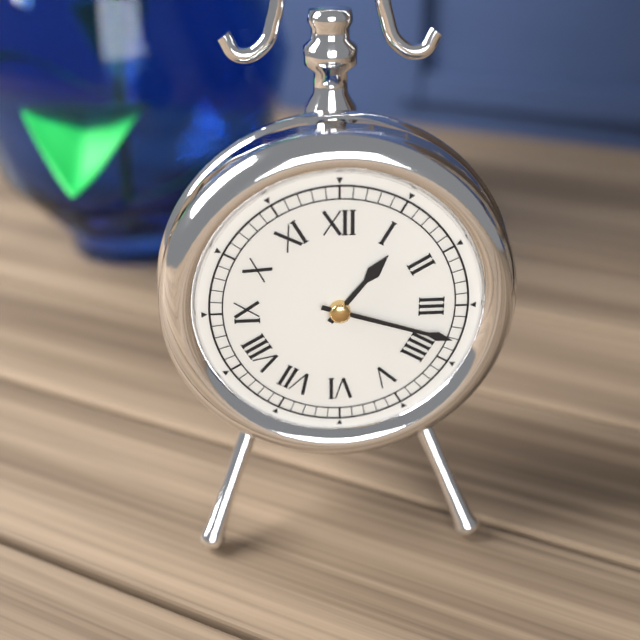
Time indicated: 1:18
